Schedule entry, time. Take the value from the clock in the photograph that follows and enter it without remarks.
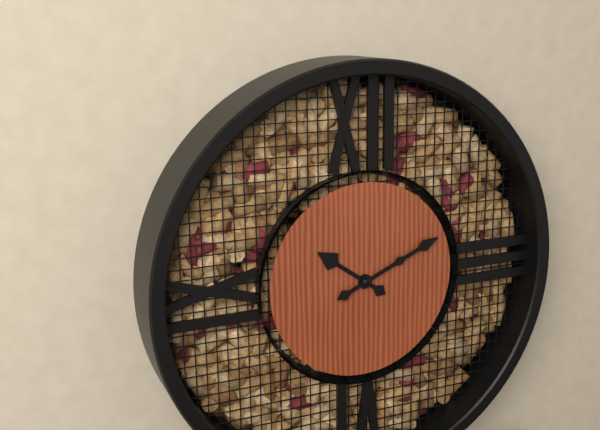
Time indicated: 10:11
